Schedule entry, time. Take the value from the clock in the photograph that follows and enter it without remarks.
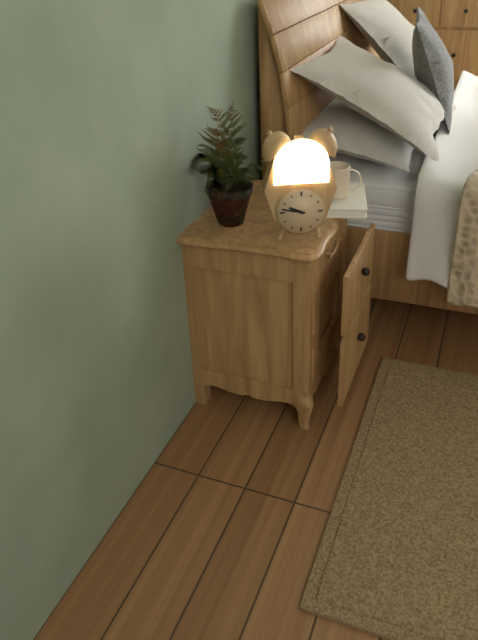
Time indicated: 9:47
